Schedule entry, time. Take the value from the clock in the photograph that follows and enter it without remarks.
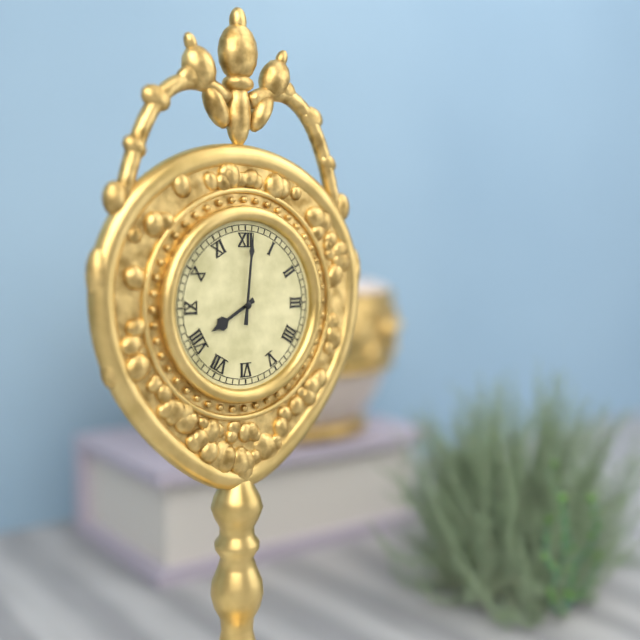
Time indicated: 8:01
